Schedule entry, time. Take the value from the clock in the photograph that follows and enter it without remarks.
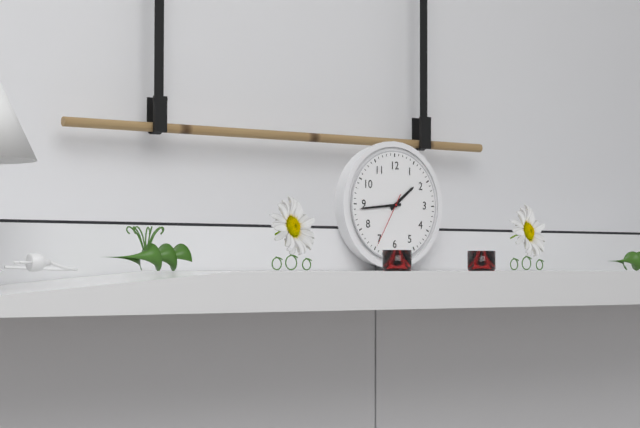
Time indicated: 1:44:35
